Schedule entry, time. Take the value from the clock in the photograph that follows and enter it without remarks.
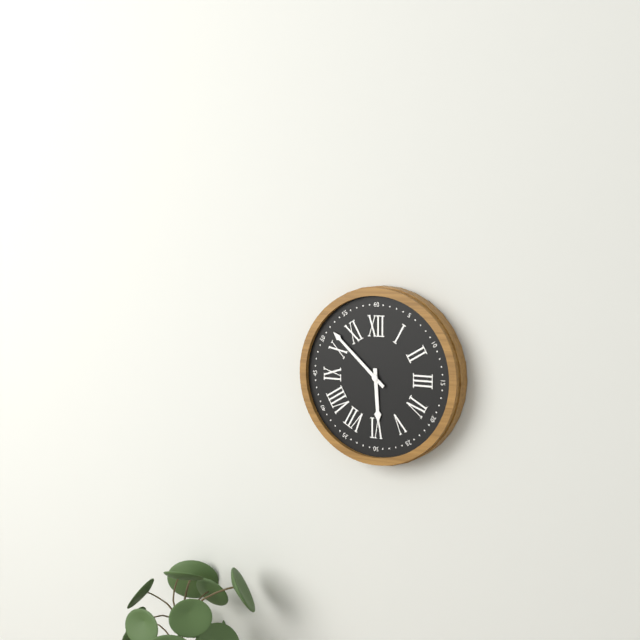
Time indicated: 5:52
